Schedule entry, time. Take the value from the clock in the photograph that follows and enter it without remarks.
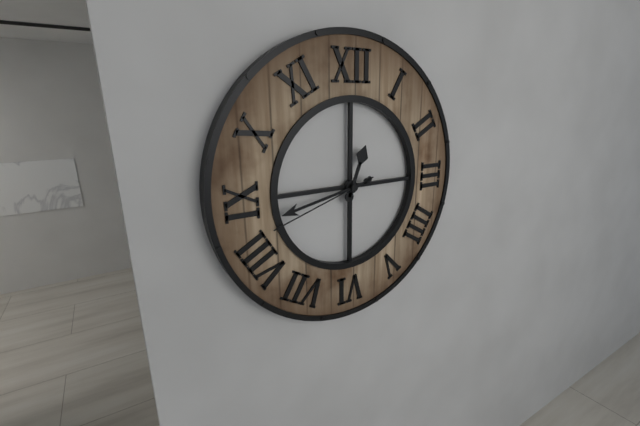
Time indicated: 12:43:42
